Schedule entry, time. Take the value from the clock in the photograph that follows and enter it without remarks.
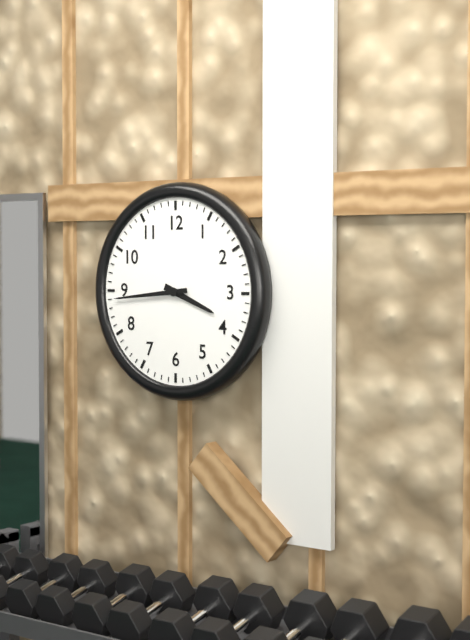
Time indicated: 3:44
